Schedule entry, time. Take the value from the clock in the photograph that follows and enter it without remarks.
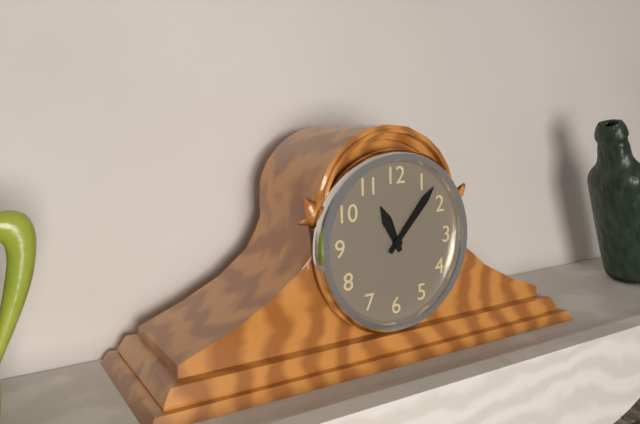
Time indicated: 11:07
